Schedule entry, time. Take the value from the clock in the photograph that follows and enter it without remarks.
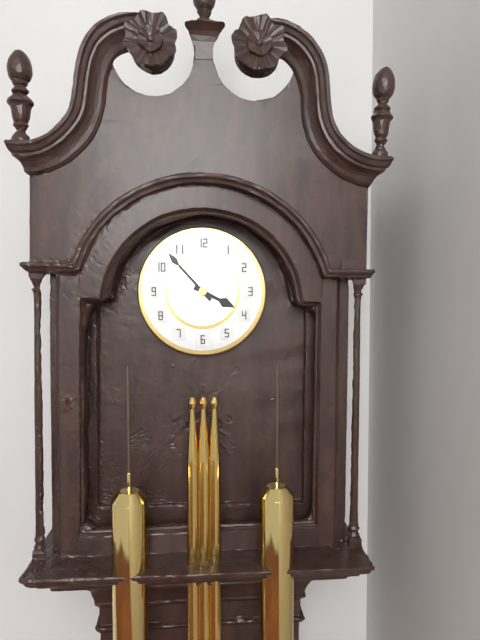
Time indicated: 3:53
